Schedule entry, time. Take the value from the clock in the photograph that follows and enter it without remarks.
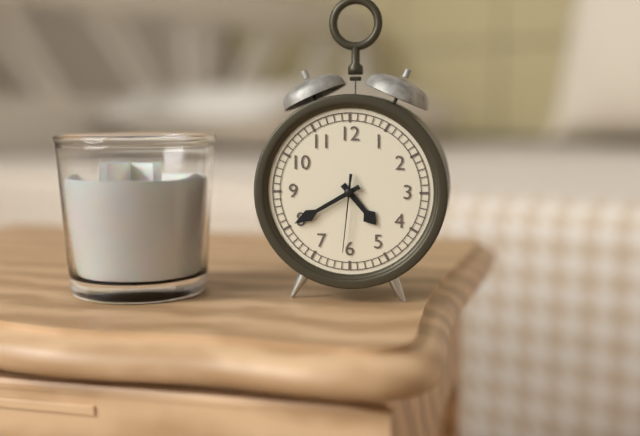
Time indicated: 4:40:31
